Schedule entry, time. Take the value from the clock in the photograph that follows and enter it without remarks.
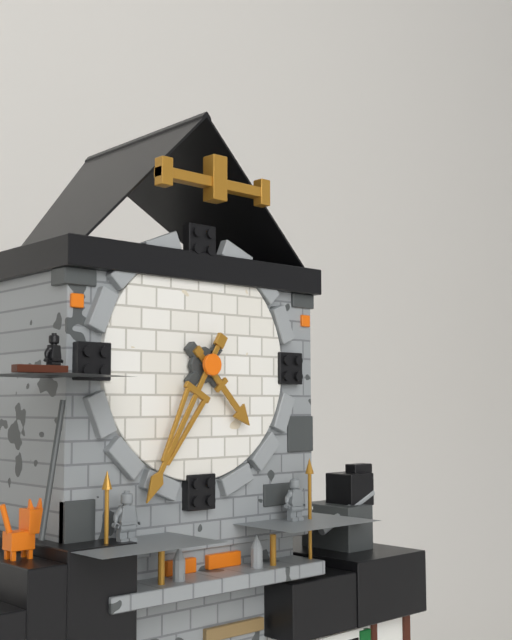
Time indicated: 4:35
